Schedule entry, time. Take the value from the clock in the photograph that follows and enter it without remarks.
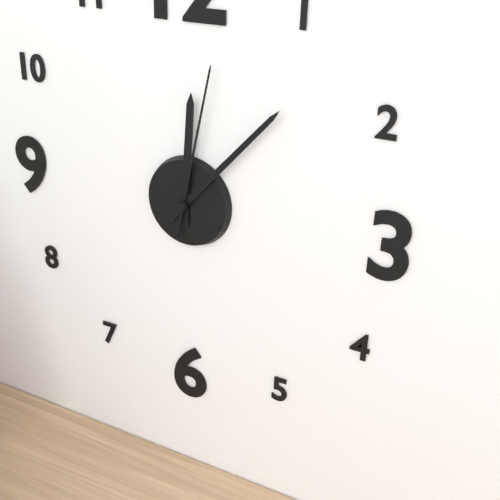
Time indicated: 12:07:02
